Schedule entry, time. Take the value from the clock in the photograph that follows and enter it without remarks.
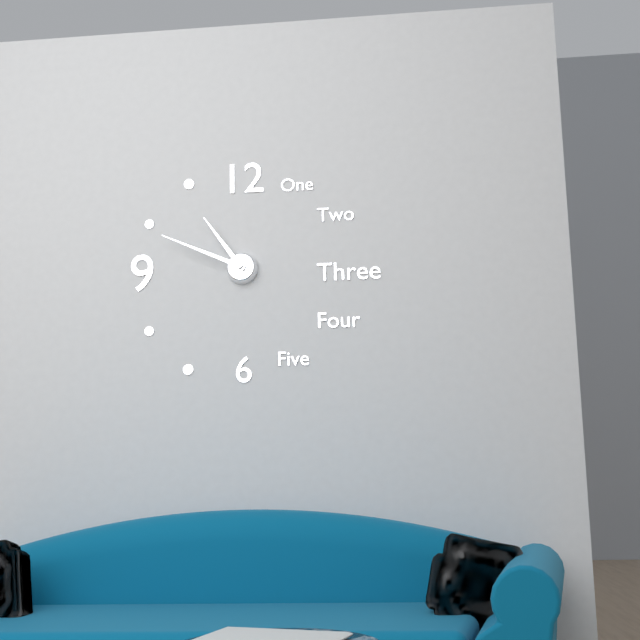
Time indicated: 10:49
